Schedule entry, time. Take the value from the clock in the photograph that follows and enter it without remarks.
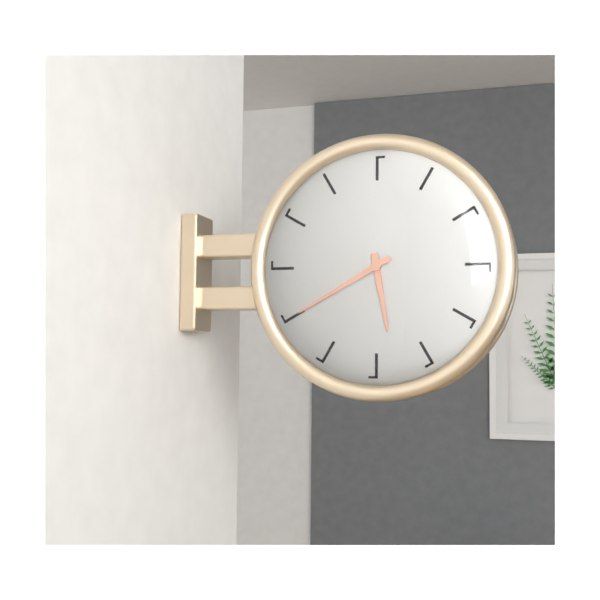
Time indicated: 5:40
